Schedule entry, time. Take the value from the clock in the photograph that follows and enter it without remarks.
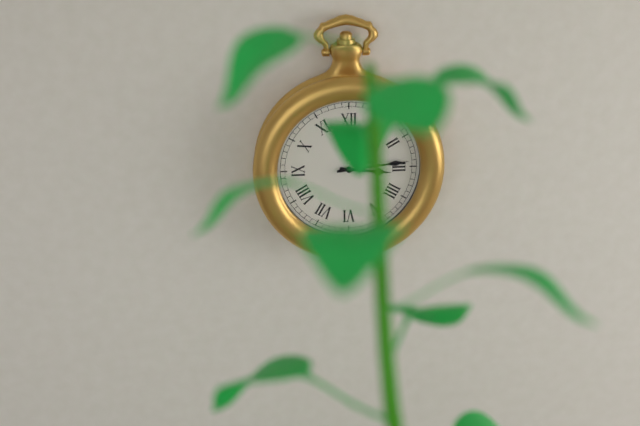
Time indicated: 3:14
